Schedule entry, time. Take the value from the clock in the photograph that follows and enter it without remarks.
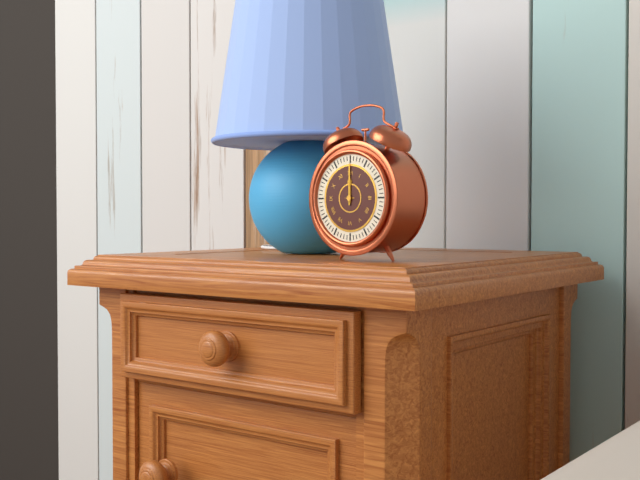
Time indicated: 12:00
